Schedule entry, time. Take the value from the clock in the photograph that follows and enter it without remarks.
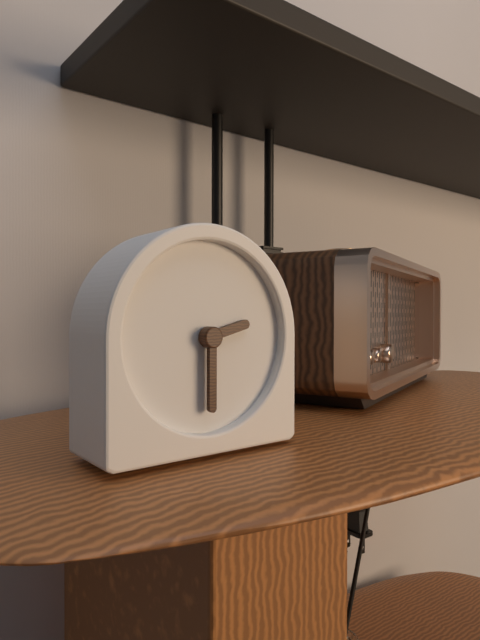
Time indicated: 2:30
